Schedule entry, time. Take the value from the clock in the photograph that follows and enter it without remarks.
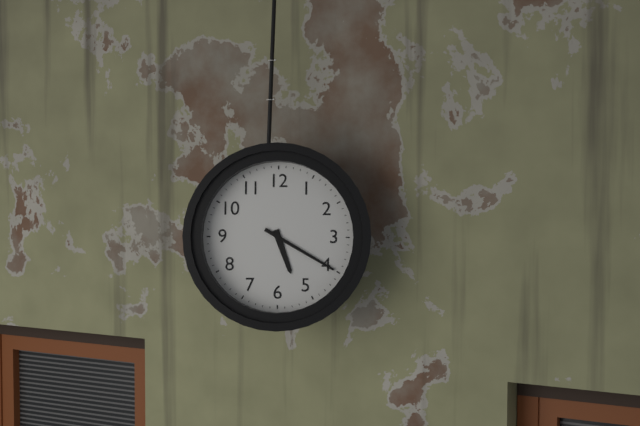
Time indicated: 5:20
